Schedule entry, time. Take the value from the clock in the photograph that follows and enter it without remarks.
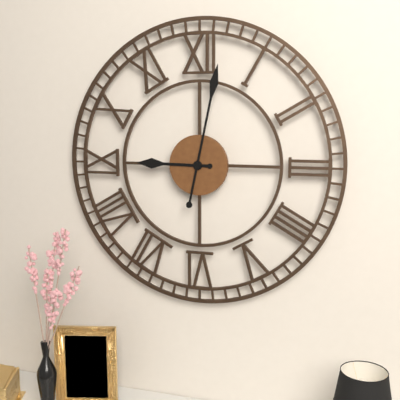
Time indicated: 9:02
